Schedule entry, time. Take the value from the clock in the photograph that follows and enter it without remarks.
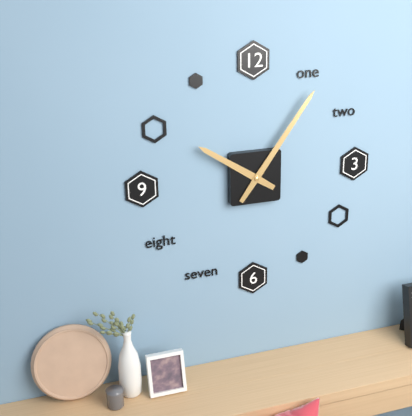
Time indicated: 10:06
